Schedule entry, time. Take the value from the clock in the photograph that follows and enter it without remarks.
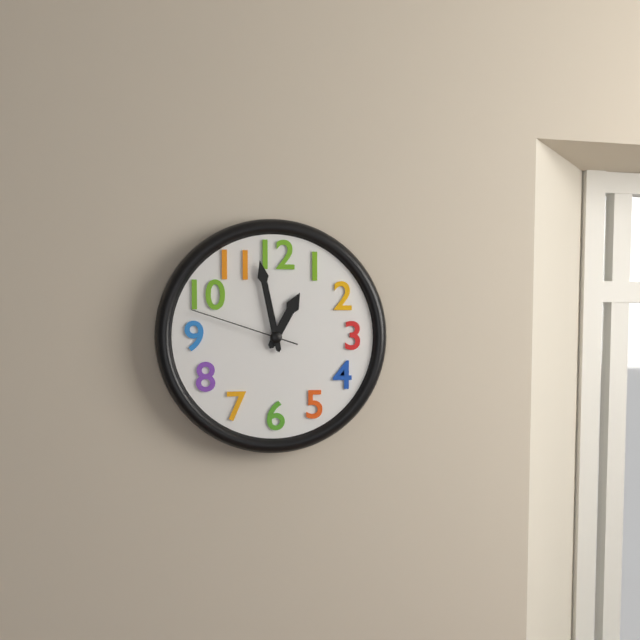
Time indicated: 12:58:48
